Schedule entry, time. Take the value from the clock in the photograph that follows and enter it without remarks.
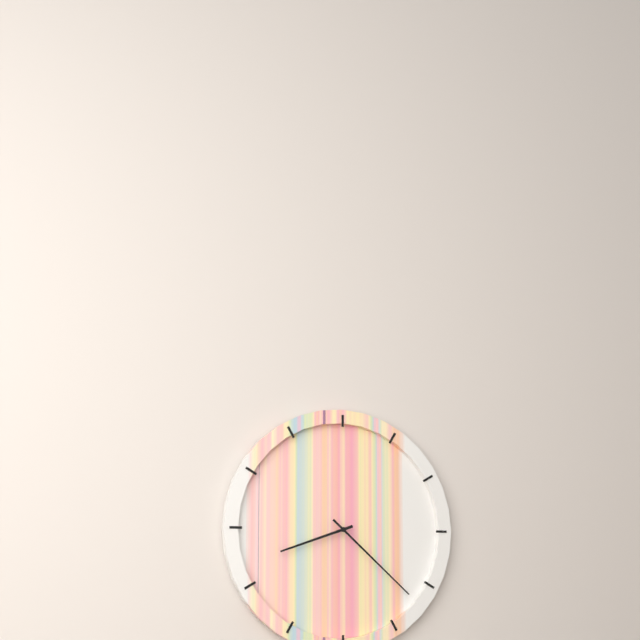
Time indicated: 8:22
